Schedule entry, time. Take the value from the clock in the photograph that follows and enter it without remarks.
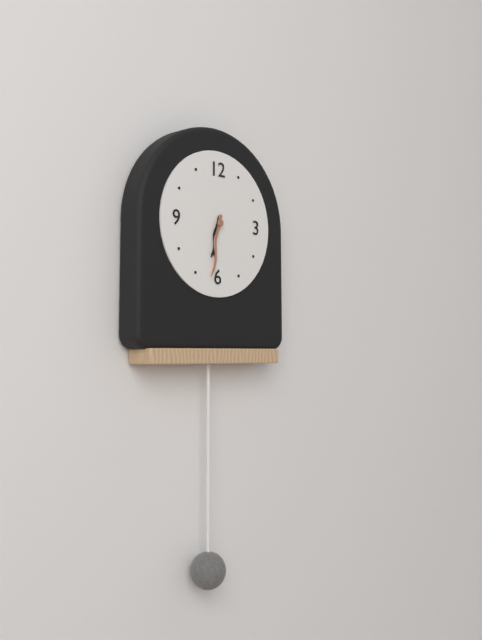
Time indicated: 6:32
